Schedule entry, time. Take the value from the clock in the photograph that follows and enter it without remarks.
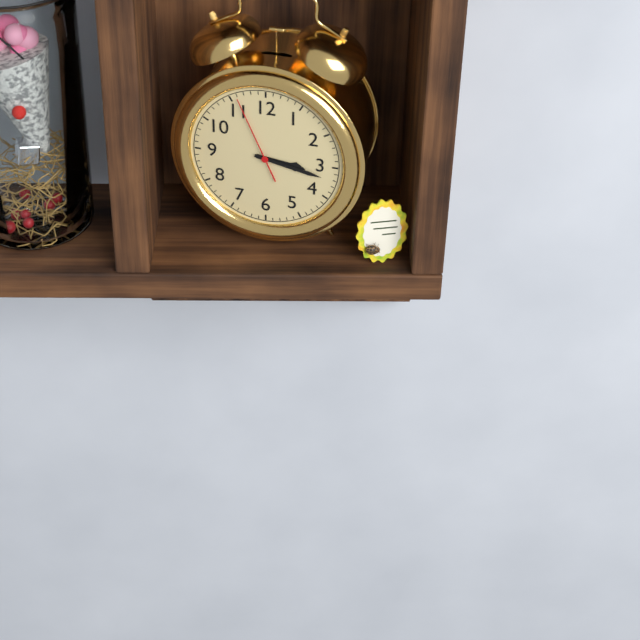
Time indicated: 3:17:56
